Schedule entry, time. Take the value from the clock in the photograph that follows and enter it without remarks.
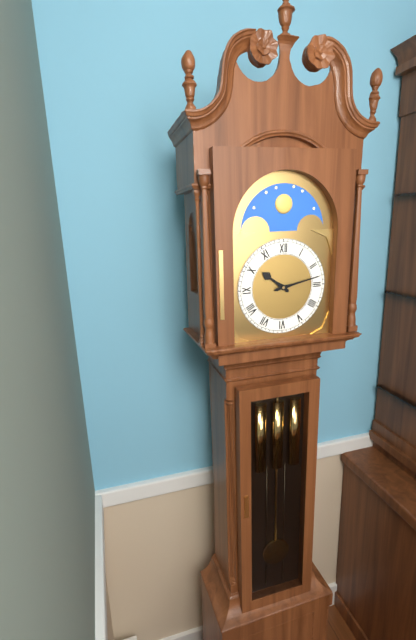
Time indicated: 10:13
